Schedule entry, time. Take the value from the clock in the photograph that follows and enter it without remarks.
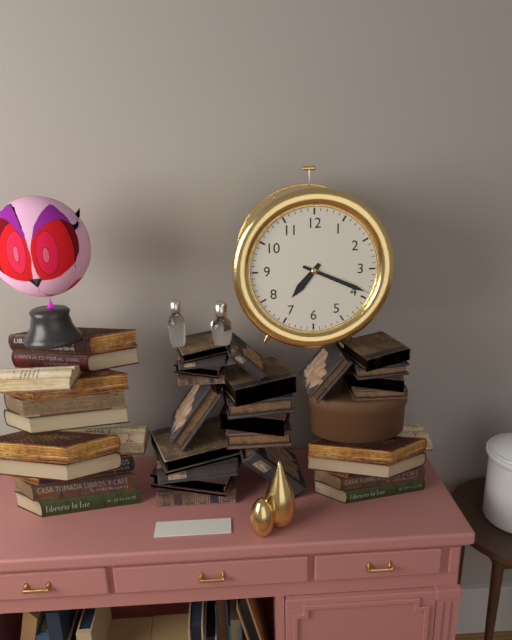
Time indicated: 7:19
